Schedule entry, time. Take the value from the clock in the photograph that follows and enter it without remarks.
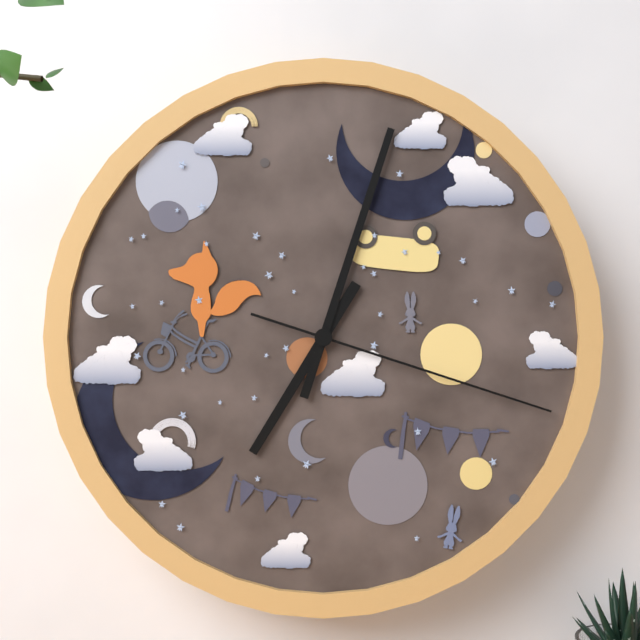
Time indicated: 7:03:18
